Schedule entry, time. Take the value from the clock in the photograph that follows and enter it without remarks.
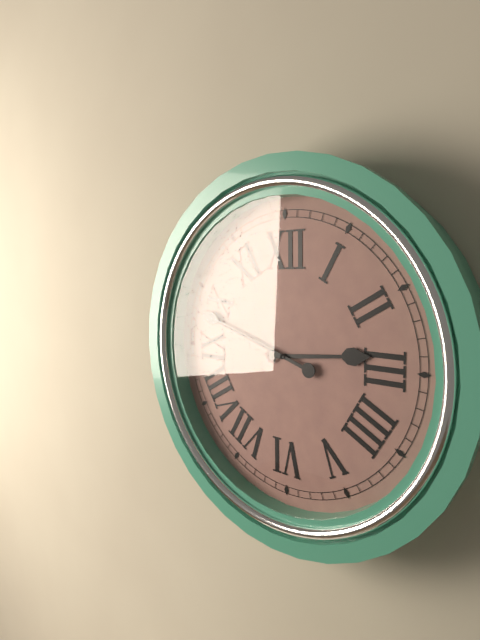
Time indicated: 2:48
